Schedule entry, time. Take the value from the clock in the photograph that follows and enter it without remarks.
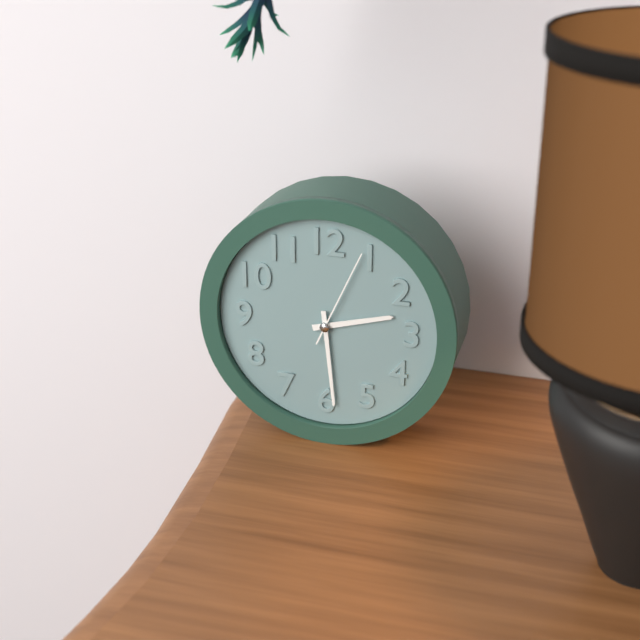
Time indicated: 2:29:04
